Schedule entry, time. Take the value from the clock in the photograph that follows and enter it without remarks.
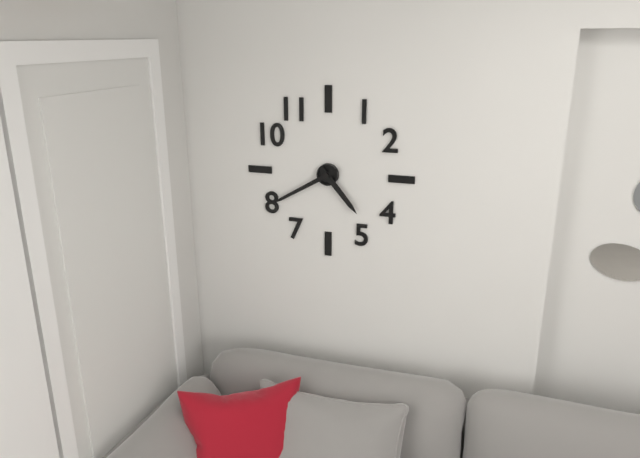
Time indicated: 4:40
